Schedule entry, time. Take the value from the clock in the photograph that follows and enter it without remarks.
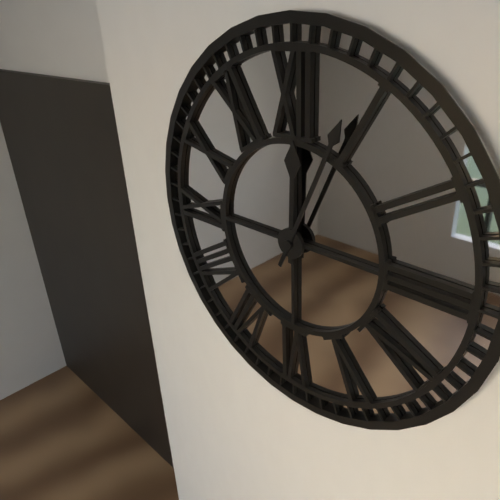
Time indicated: 12:04
